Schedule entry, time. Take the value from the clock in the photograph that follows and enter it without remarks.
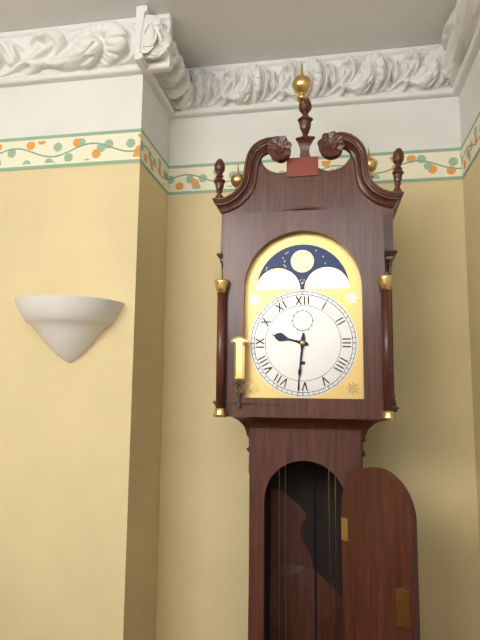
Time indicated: 9:31
